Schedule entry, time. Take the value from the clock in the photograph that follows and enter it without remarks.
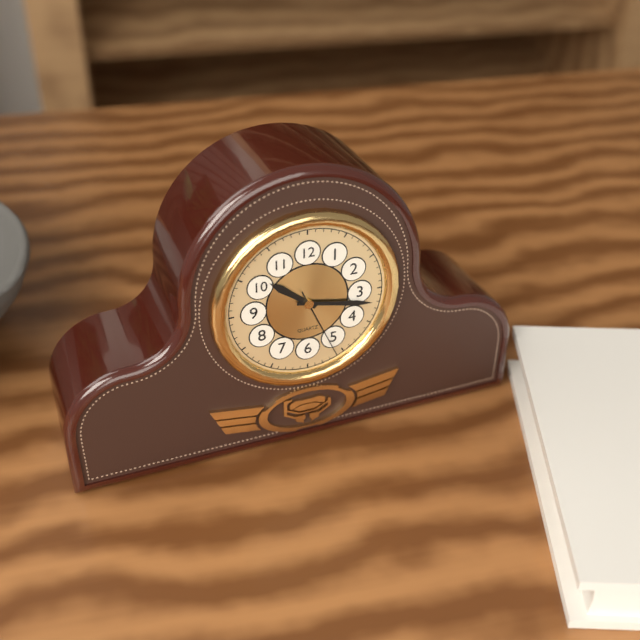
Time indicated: 10:17:26
